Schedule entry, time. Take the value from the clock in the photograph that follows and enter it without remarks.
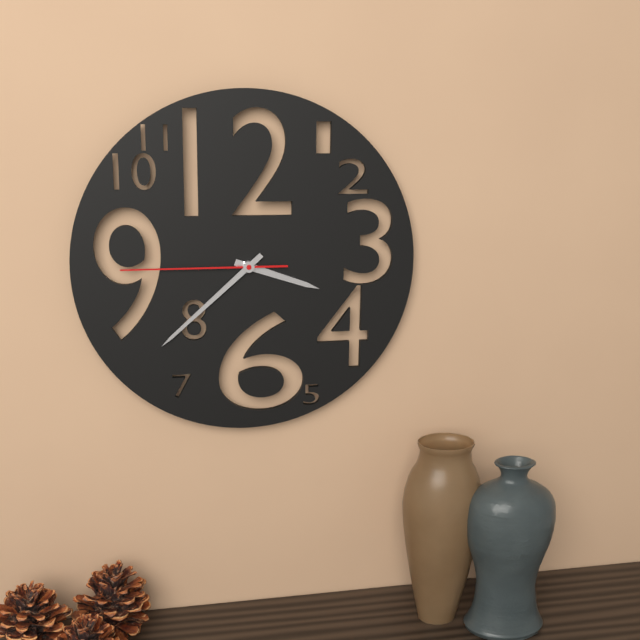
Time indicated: 3:38:45
